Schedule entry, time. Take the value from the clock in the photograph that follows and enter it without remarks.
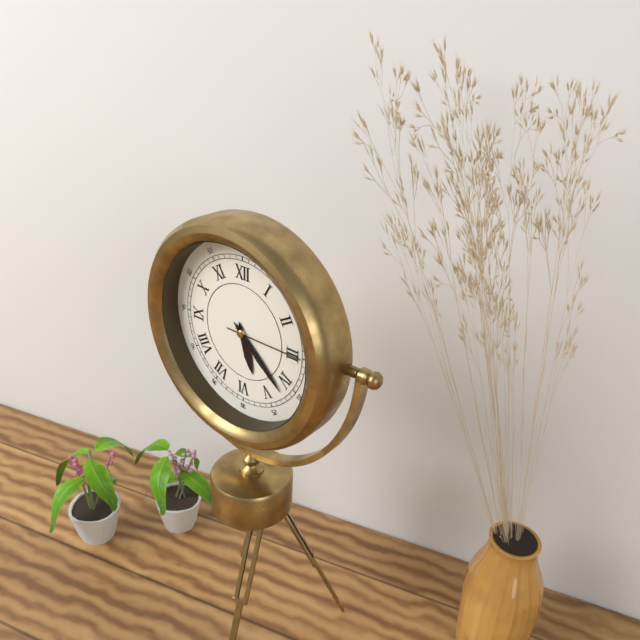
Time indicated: 5:22:15
